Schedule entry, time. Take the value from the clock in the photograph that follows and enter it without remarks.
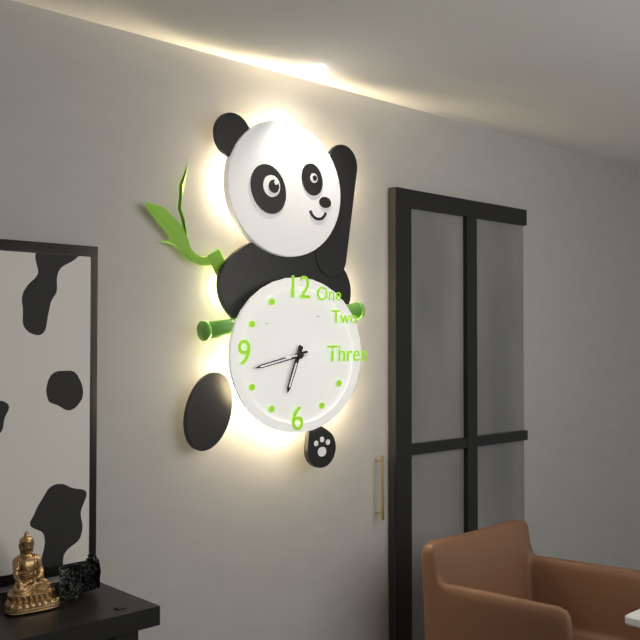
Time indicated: 6:43:14
